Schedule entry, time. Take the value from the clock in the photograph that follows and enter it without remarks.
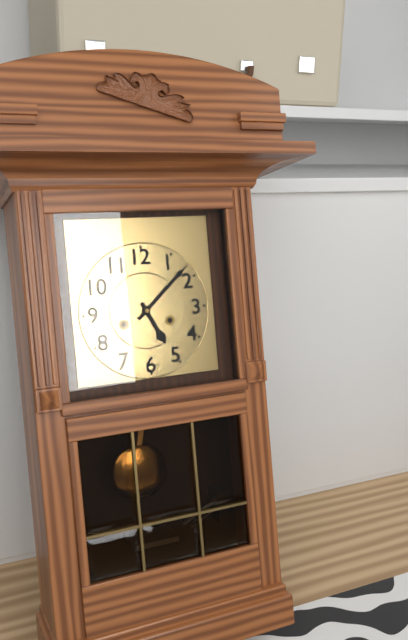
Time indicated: 5:08
